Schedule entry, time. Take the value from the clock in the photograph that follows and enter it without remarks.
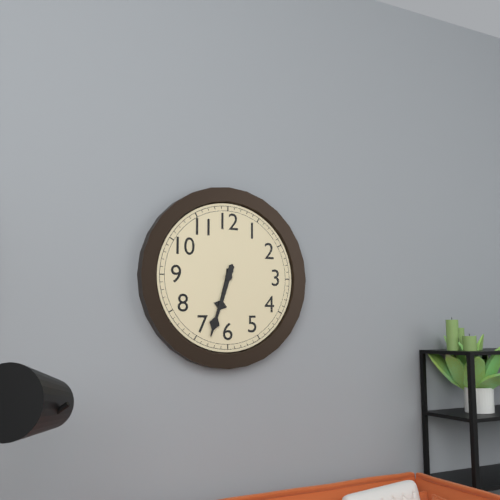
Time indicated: 6:33
